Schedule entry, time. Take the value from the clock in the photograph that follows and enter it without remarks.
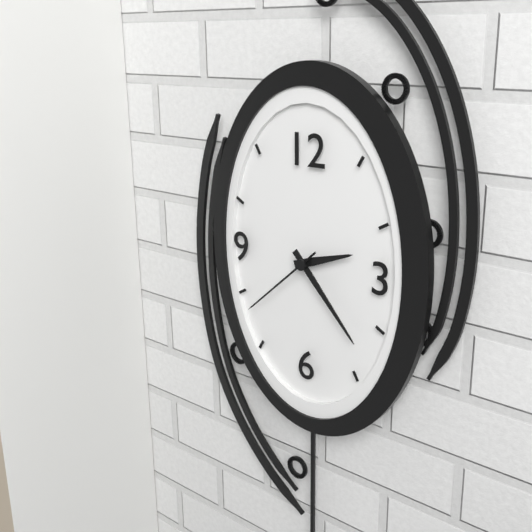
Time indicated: 2:23:38
